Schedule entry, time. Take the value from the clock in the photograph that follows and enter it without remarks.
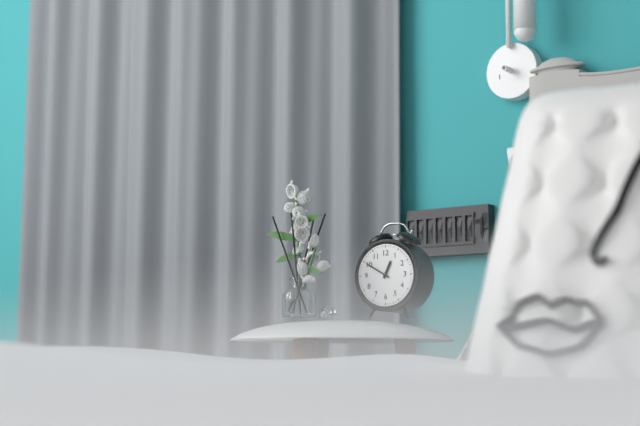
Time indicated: 12:50
